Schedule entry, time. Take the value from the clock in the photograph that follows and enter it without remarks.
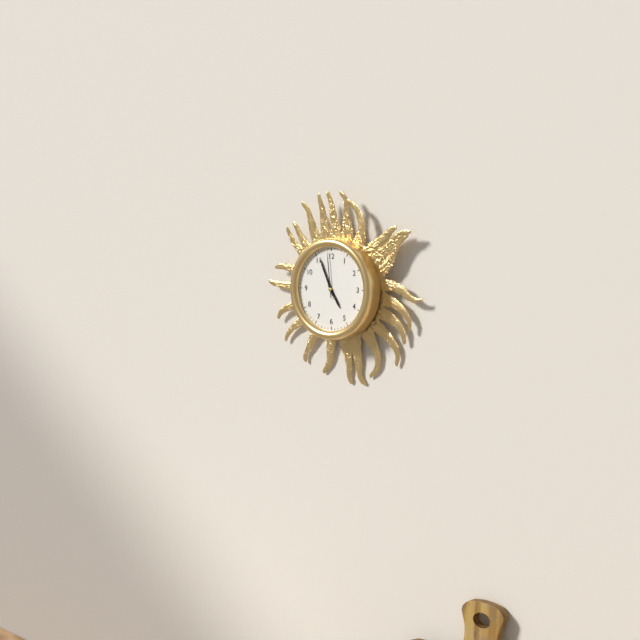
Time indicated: 4:56
